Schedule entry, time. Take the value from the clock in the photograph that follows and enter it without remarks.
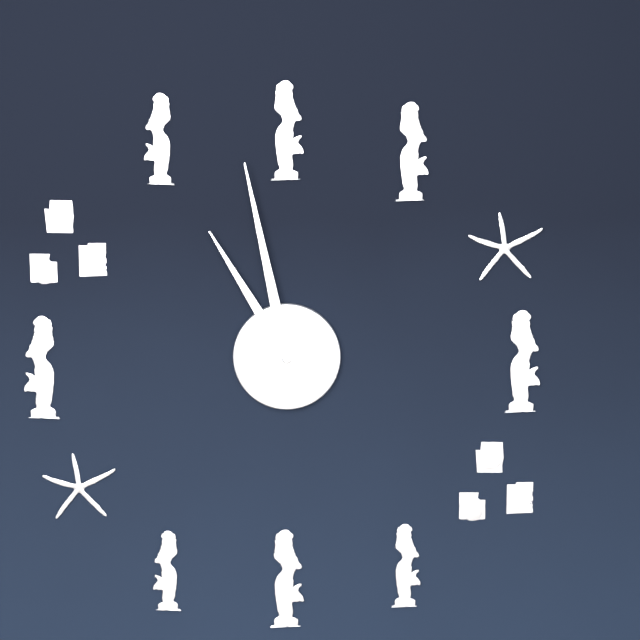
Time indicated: 10:58
